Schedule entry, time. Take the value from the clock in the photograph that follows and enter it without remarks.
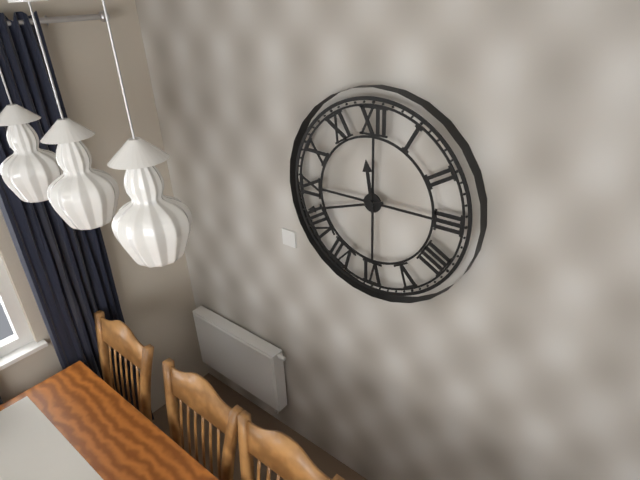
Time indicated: 11:42
